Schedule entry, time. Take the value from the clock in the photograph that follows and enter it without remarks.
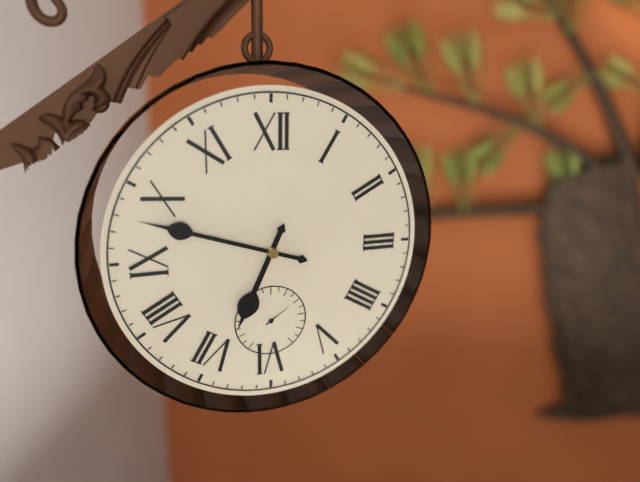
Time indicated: 6:48
